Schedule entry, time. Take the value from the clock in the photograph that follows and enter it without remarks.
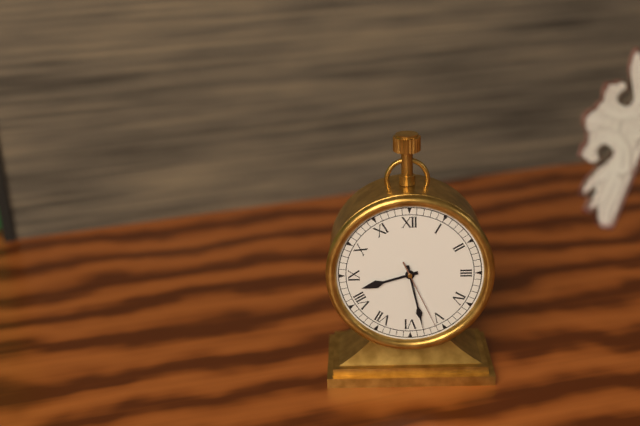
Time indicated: 8:28:26
